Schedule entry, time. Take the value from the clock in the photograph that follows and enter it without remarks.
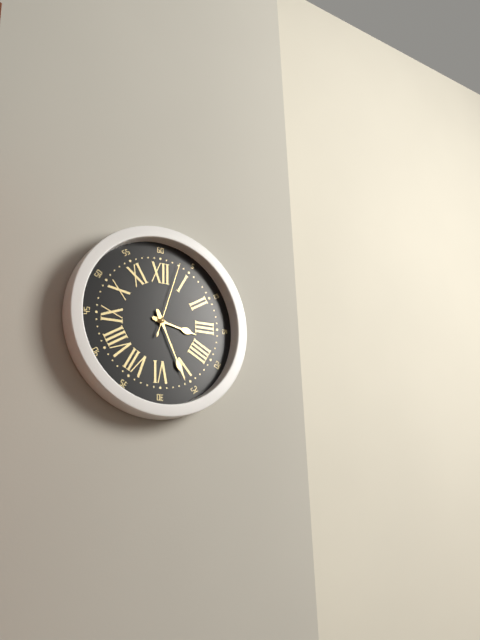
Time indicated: 3:26:03
